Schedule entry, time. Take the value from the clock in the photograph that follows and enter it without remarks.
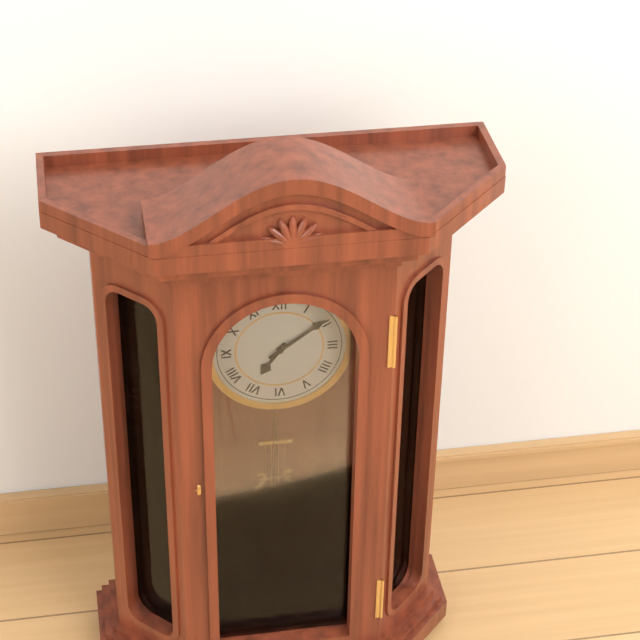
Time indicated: 7:09
